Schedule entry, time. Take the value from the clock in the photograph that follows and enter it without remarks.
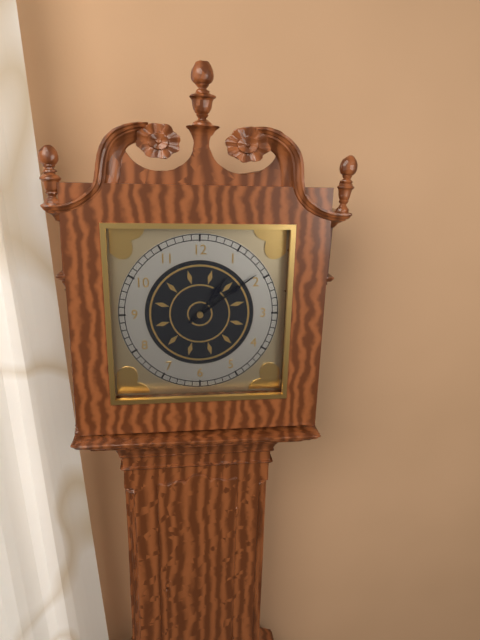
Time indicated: 1:09
